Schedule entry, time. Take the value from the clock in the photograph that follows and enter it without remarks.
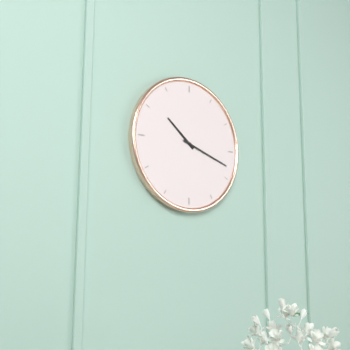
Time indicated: 10:18
